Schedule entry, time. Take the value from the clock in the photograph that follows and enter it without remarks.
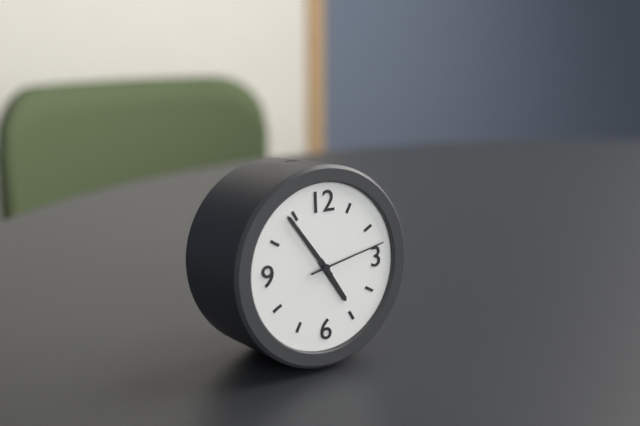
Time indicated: 4:54:13
